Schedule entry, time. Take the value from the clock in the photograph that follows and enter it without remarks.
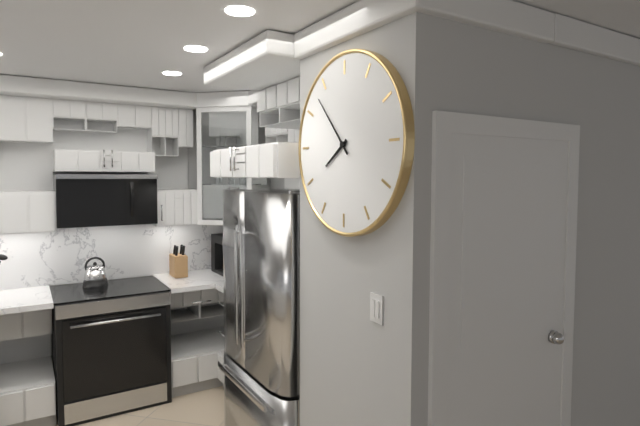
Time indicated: 7:53
